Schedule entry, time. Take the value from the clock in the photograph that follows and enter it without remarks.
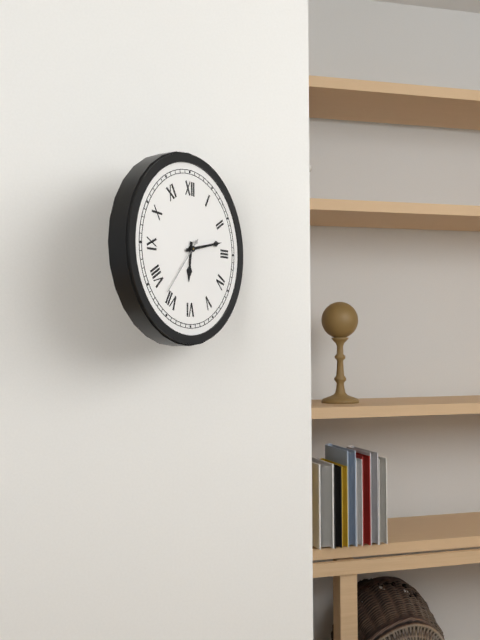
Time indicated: 6:13:37
